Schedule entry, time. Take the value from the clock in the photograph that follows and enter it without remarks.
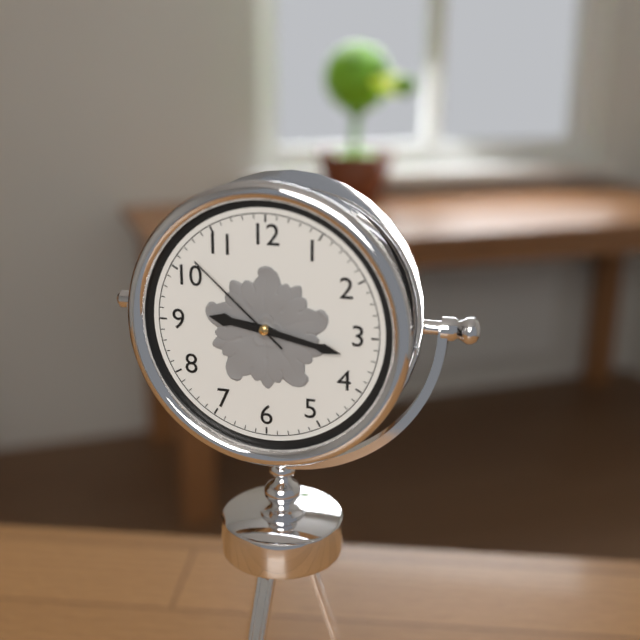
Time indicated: 9:17:52
